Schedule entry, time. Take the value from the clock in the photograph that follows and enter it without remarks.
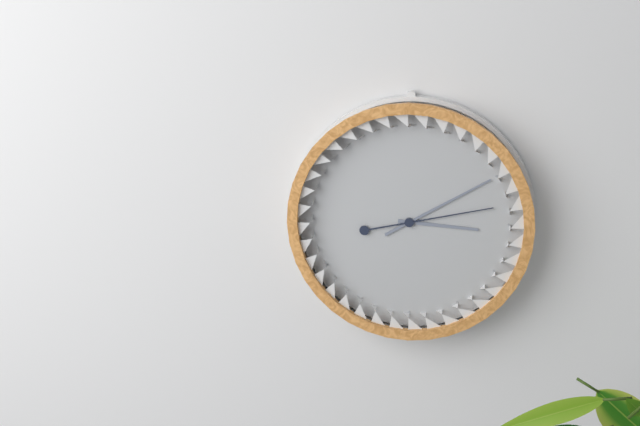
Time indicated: 3:10:13
